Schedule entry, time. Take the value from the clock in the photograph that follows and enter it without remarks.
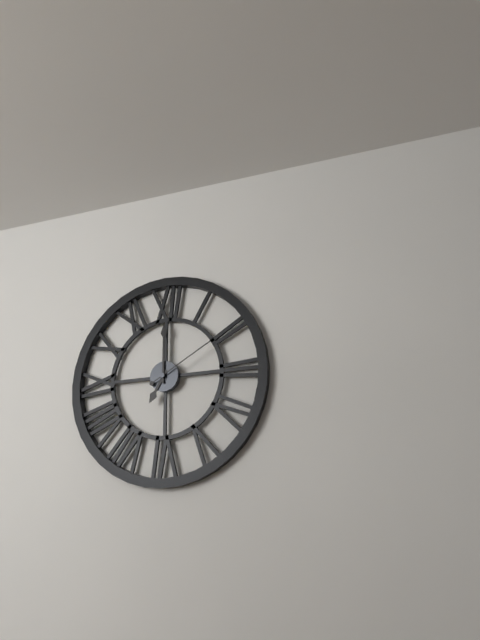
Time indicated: 7:00:10
